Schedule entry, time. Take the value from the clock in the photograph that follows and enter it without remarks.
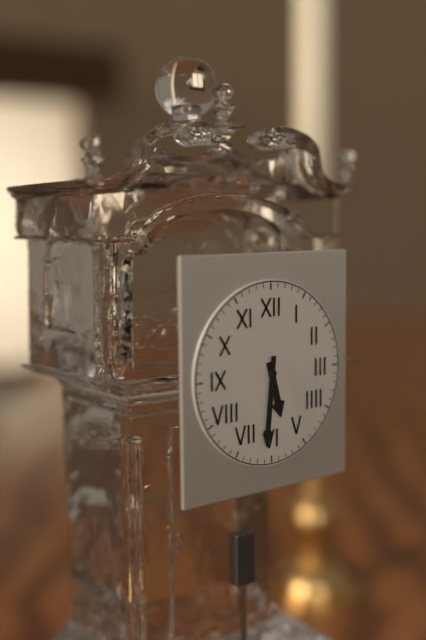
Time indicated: 5:31
